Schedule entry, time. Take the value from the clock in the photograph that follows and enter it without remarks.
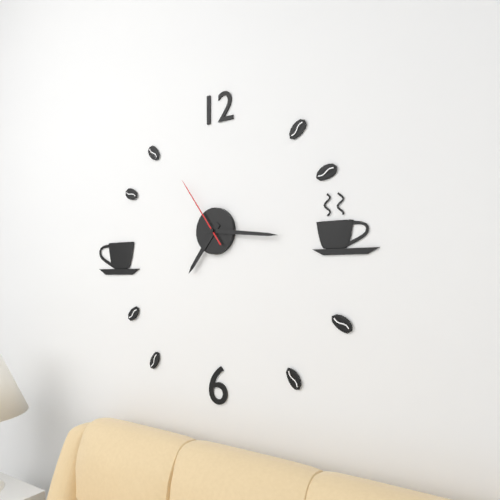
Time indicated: 7:16:54
